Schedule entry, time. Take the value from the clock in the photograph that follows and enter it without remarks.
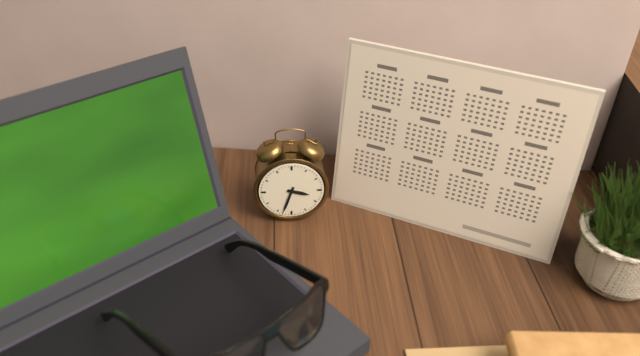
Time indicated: 3:33
